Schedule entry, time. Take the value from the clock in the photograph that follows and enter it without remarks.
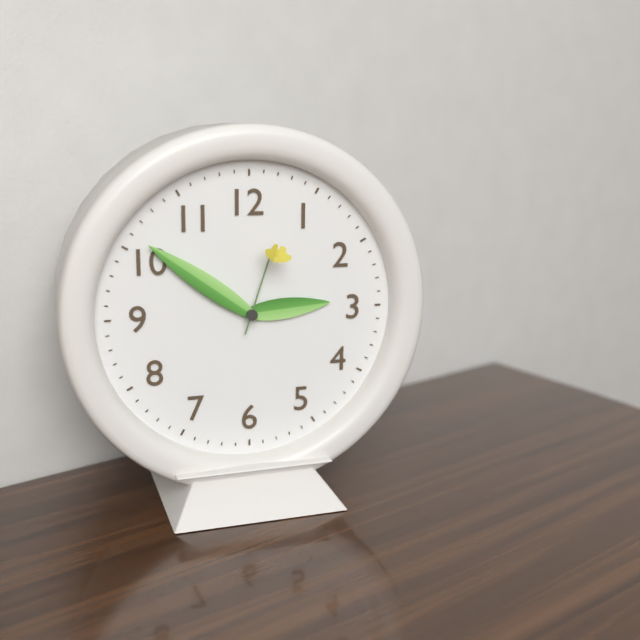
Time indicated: 2:51:03
